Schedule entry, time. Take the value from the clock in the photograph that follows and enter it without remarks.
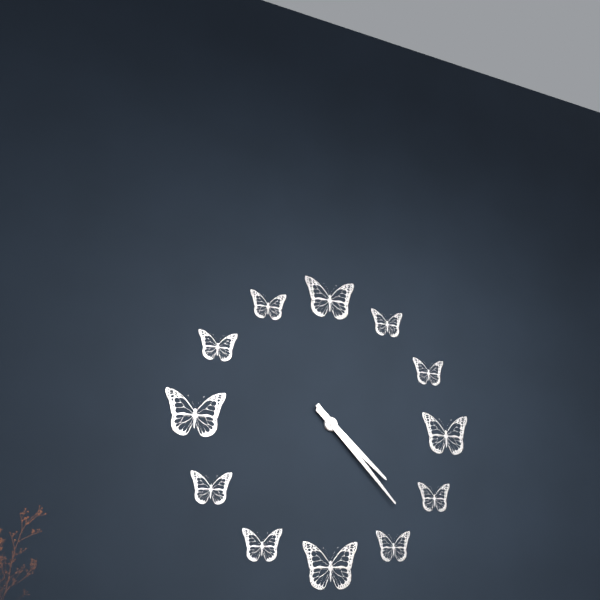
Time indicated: 4:23
